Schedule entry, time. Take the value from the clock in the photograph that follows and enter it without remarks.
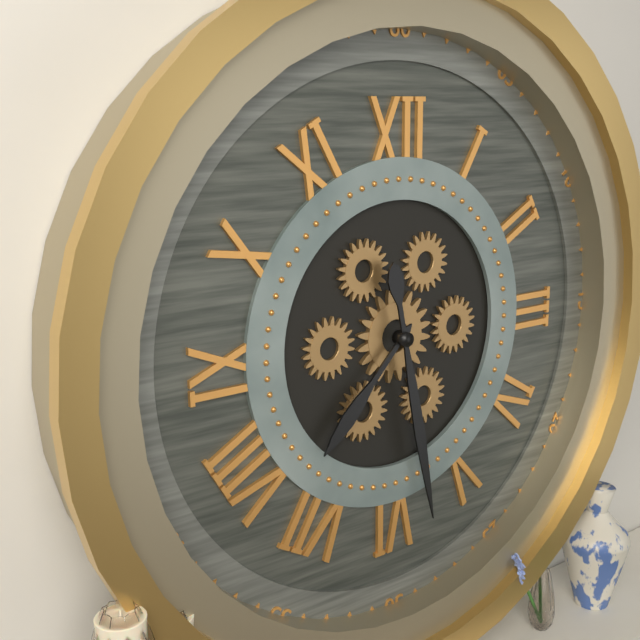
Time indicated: 7:28
